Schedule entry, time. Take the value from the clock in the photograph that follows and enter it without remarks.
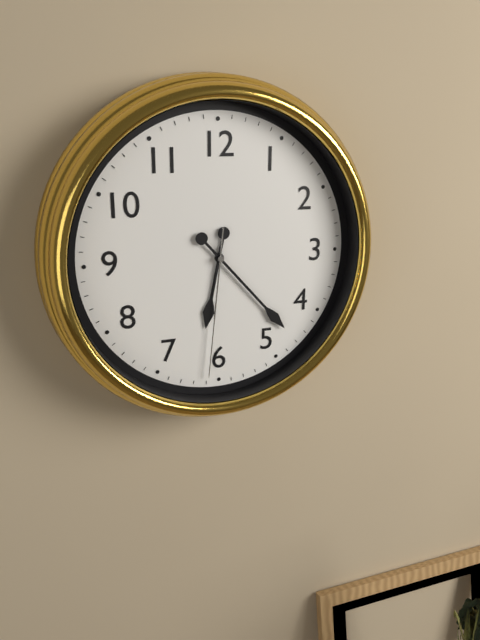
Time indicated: 6:23:31
